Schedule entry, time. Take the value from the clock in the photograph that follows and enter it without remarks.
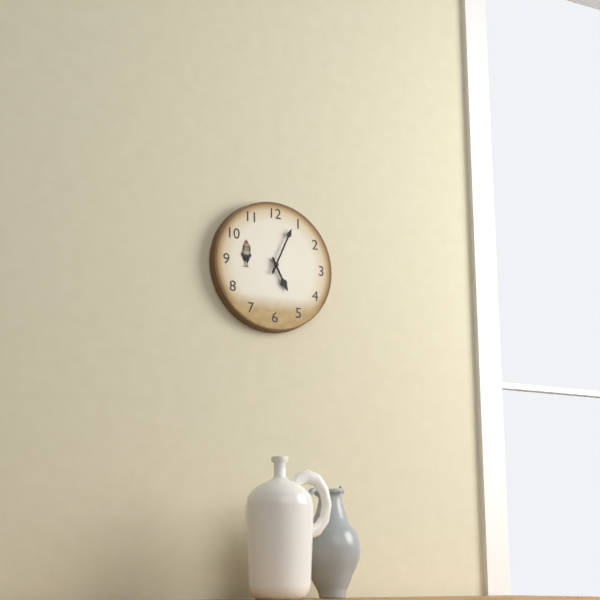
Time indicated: 5:04
